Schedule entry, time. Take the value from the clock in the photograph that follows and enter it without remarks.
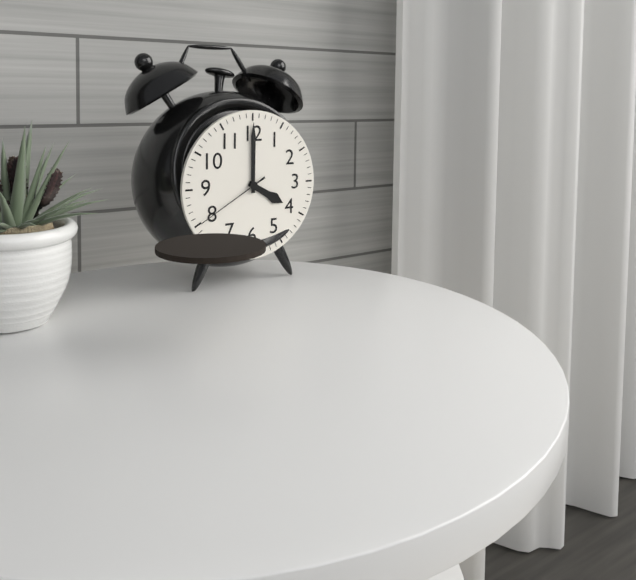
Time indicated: 4:00:40
